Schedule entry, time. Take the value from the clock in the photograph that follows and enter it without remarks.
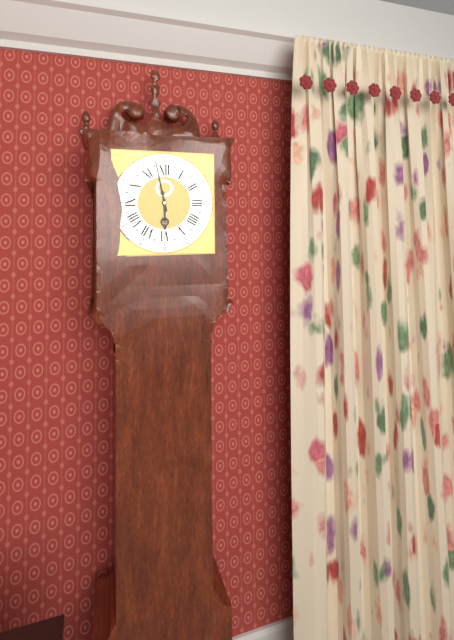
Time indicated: 5:58
